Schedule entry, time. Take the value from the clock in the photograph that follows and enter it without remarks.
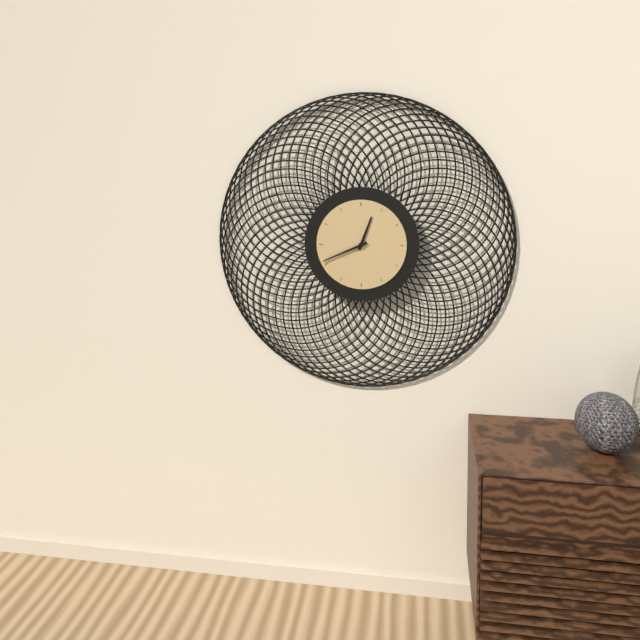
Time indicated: 12:41
